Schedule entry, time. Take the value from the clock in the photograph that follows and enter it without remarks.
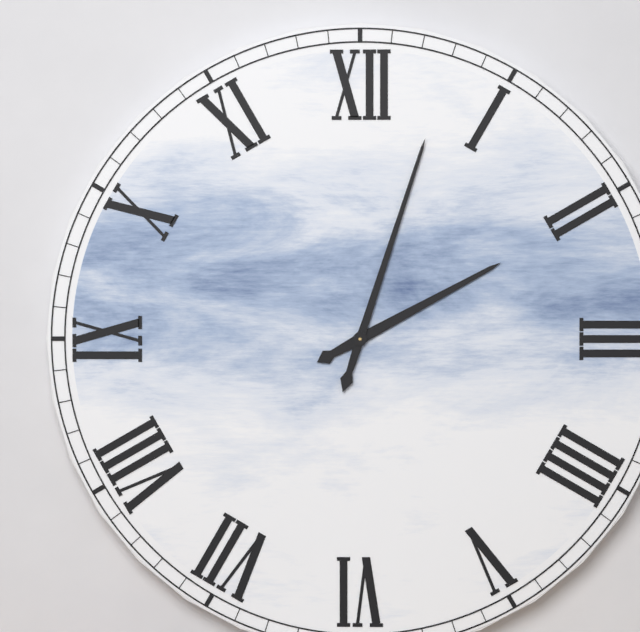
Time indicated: 2:03
